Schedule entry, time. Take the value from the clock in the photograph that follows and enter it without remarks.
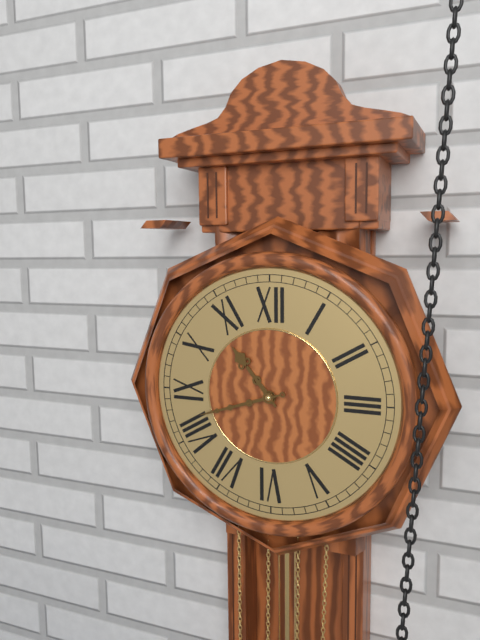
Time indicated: 10:42
